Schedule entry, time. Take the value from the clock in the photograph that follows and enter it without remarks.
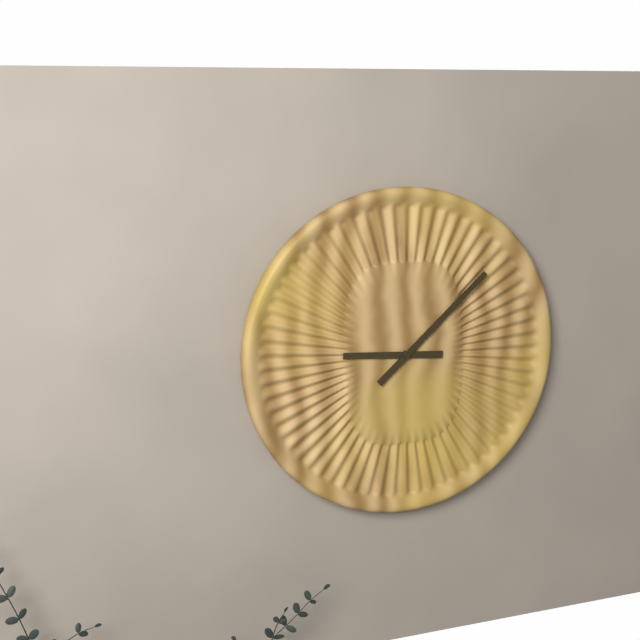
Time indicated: 9:08
